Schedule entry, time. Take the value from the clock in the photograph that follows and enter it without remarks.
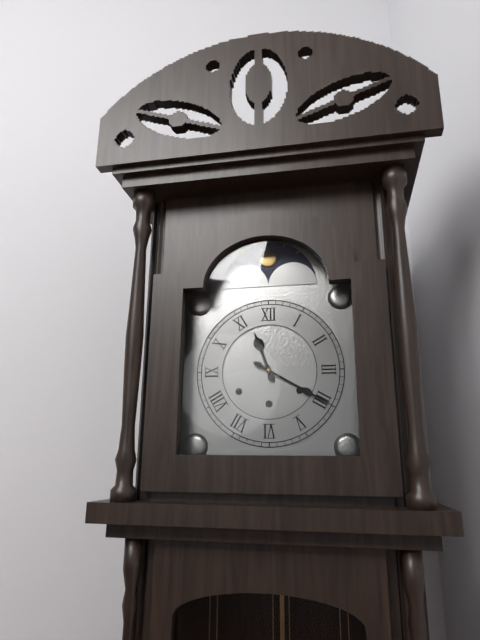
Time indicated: 11:20
